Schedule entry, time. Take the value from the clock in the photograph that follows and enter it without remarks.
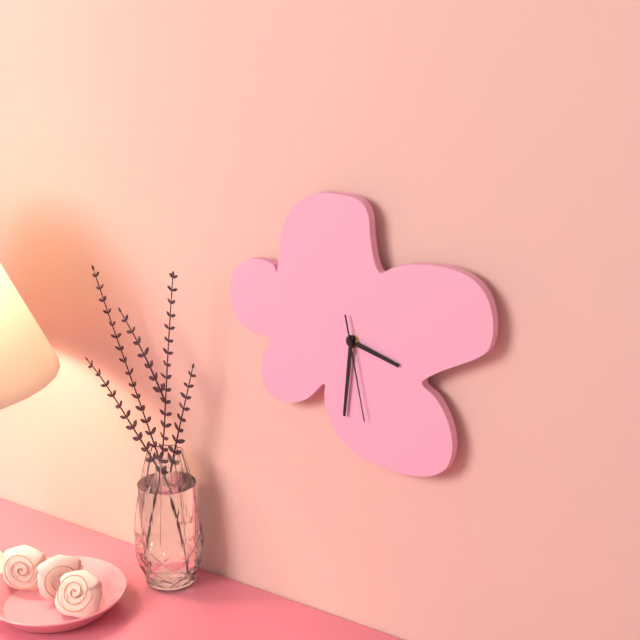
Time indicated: 3:31:28
